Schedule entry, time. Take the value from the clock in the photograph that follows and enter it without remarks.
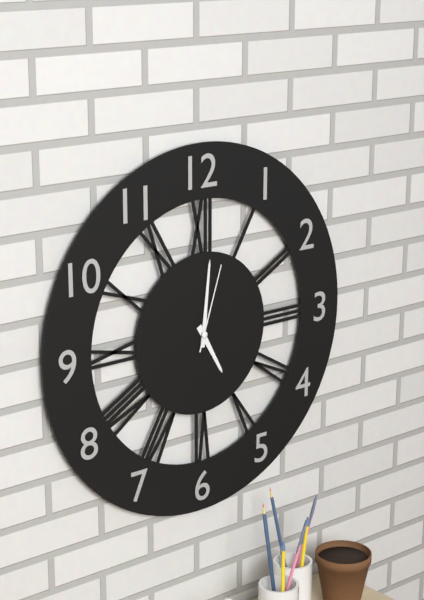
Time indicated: 5:01:03
